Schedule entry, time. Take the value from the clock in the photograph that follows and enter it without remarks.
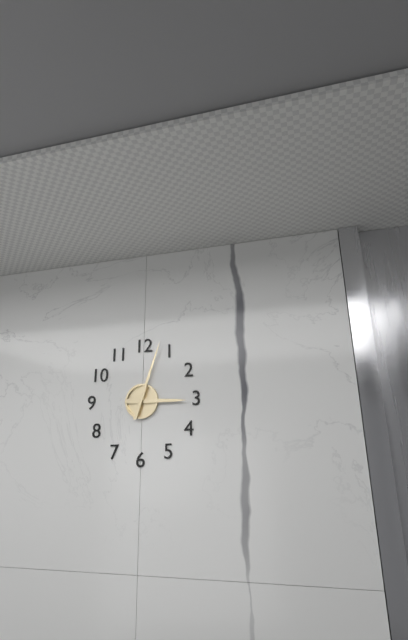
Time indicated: 3:03
